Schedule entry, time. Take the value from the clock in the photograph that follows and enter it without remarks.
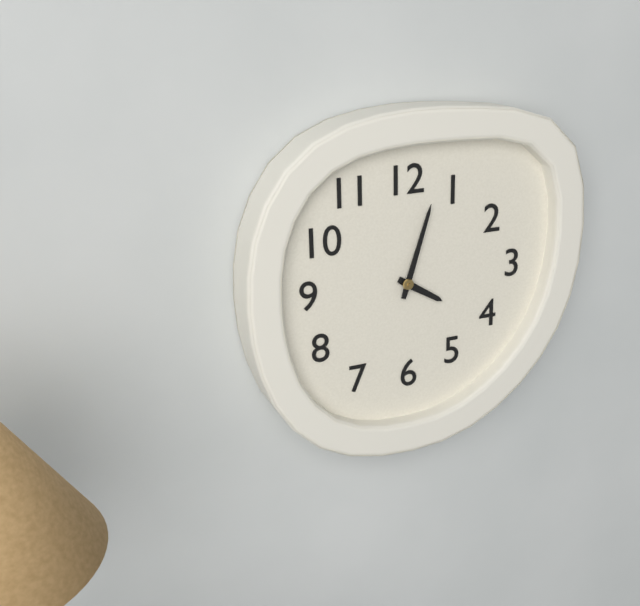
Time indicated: 4:03
